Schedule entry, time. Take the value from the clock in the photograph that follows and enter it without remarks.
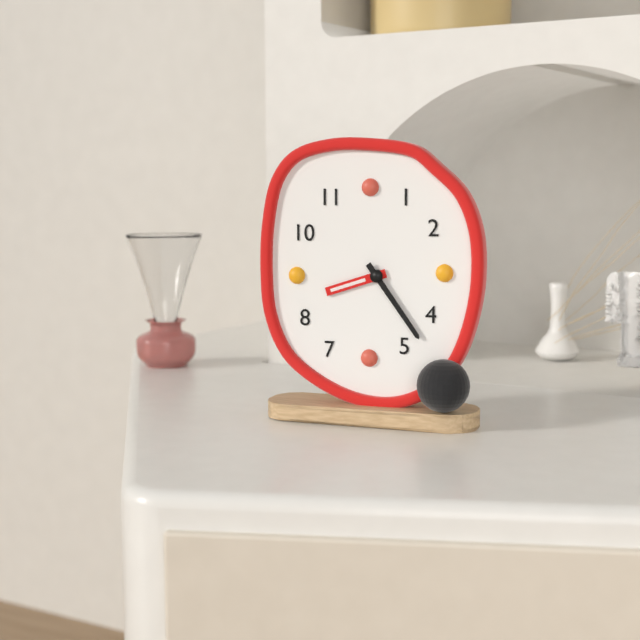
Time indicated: 8:24
